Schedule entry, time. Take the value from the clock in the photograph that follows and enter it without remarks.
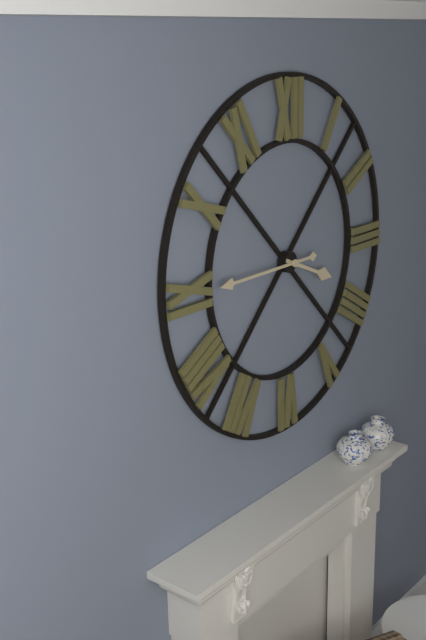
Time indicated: 3:45
